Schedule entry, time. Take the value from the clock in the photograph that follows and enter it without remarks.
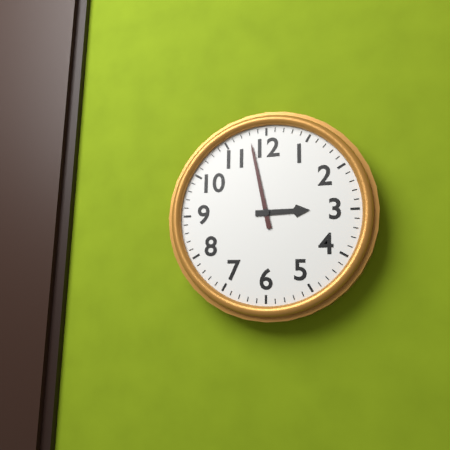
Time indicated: 2:58
